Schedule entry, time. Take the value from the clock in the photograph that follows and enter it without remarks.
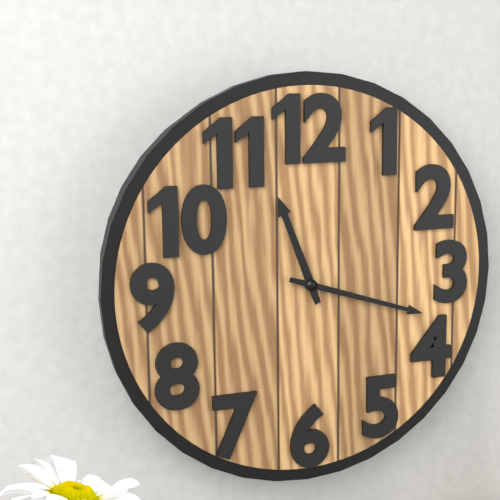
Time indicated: 11:18
